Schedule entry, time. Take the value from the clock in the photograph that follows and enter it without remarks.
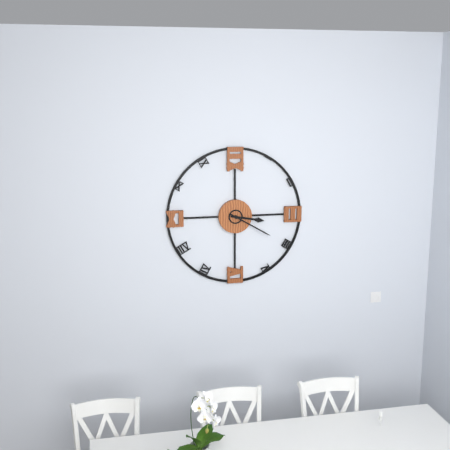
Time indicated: 3:20
